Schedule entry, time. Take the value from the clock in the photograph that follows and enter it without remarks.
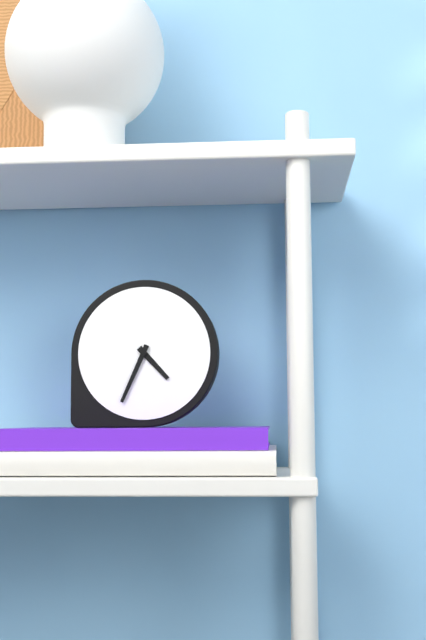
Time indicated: 4:34
